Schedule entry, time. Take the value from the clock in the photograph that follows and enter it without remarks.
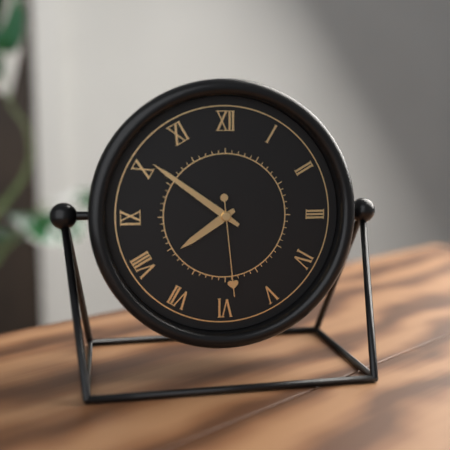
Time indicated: 7:51:29
